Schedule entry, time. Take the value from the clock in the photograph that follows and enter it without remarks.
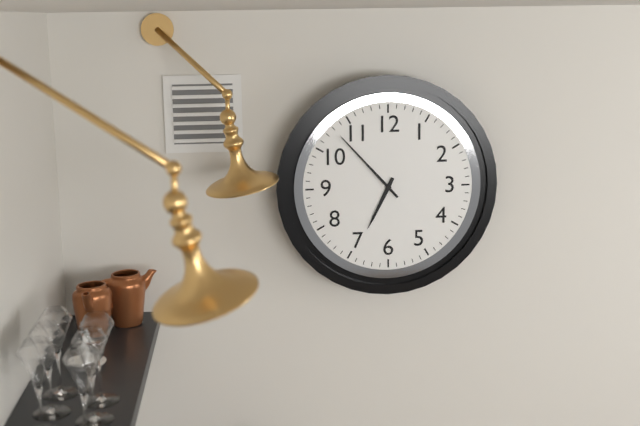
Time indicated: 6:53
